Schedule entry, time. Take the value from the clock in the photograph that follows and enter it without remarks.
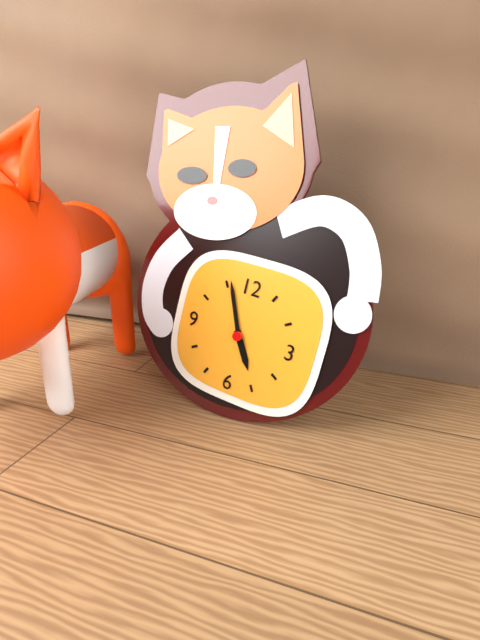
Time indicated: 4:56
